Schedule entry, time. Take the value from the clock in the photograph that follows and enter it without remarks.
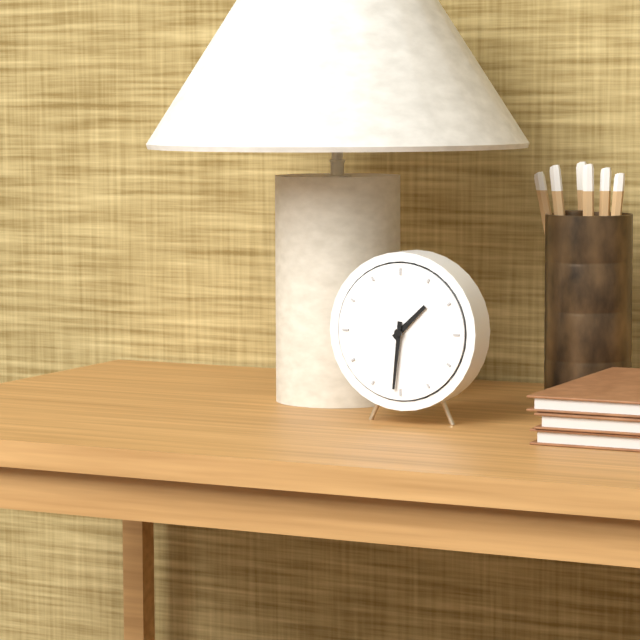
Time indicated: 1:31
